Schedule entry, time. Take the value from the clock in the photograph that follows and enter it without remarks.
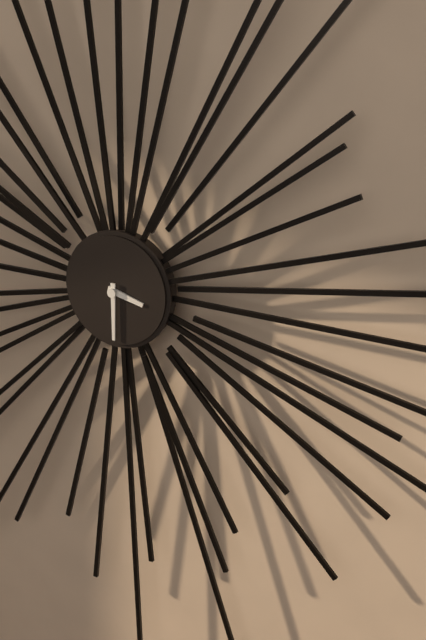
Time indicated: 3:30
